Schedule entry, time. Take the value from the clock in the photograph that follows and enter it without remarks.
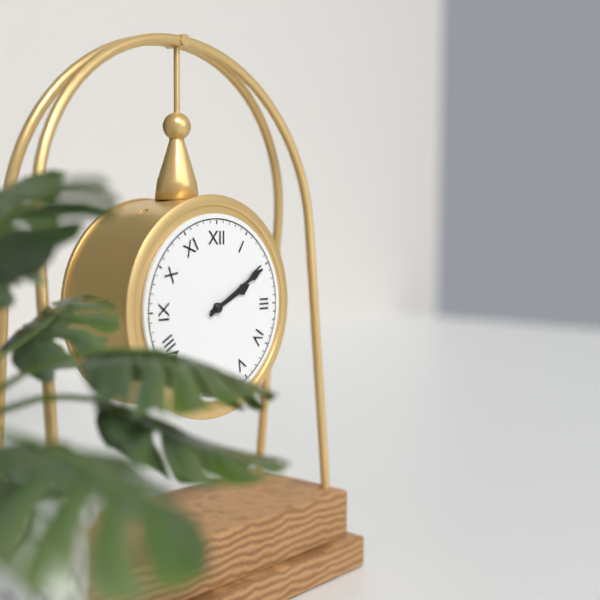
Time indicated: 2:10
